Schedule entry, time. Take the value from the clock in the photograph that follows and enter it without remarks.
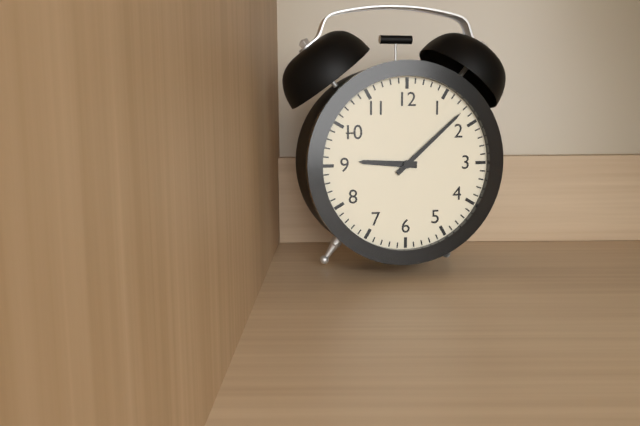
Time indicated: 9:08
